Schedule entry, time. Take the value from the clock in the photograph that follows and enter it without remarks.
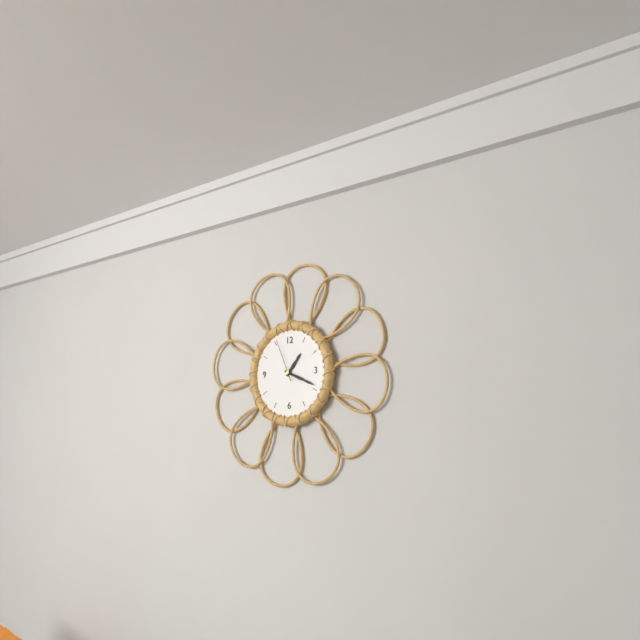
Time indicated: 1:19
